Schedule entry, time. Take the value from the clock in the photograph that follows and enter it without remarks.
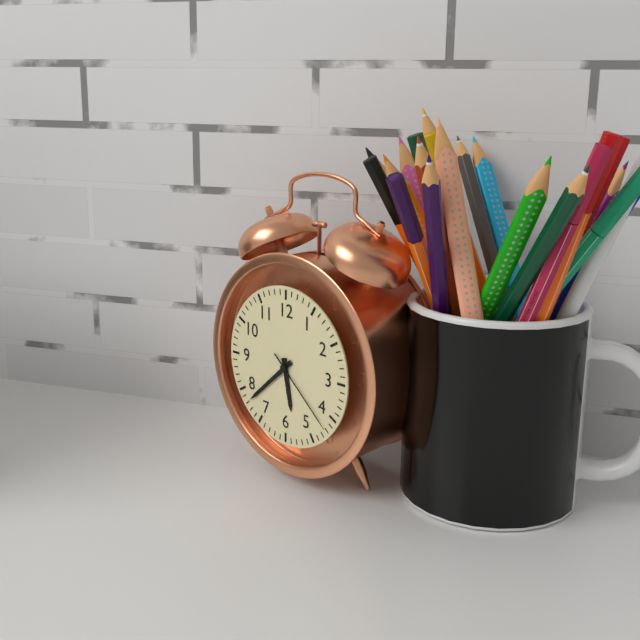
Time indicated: 5:38:22
